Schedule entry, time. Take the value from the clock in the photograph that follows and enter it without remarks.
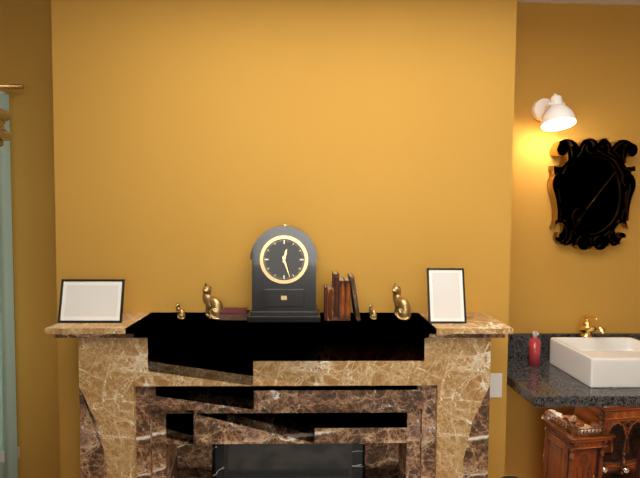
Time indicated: 12:27
